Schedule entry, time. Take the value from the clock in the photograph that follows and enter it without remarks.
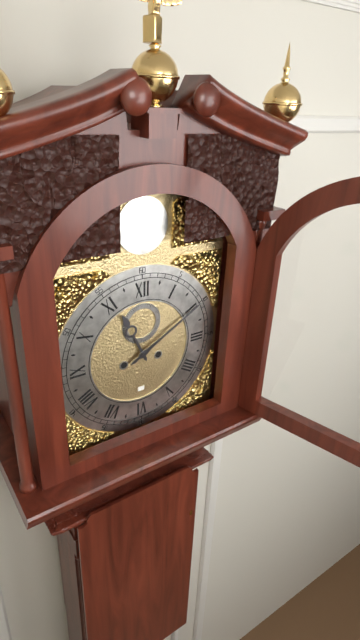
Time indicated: 11:10
